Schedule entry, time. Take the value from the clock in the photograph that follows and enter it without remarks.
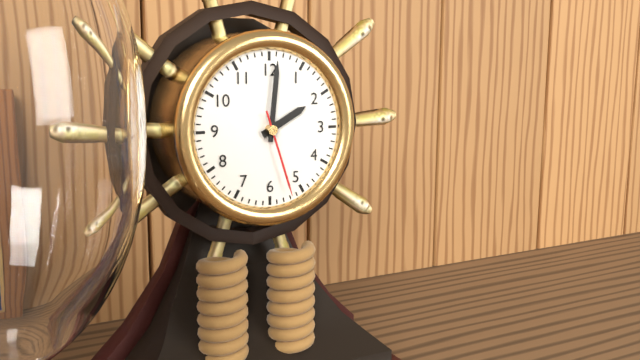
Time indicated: 2:01:27
